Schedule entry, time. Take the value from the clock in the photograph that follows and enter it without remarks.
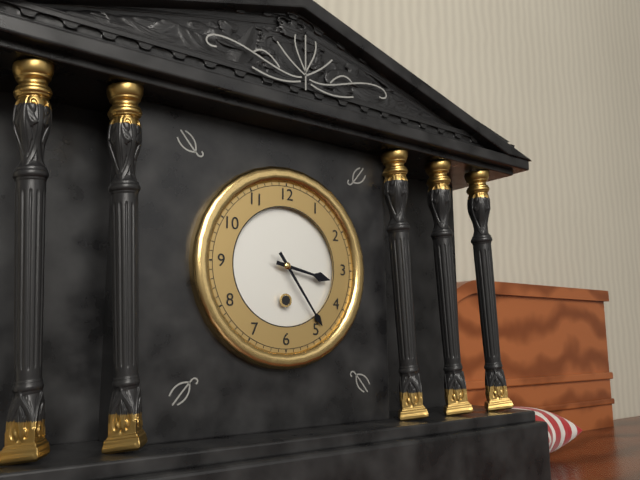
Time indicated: 3:24
